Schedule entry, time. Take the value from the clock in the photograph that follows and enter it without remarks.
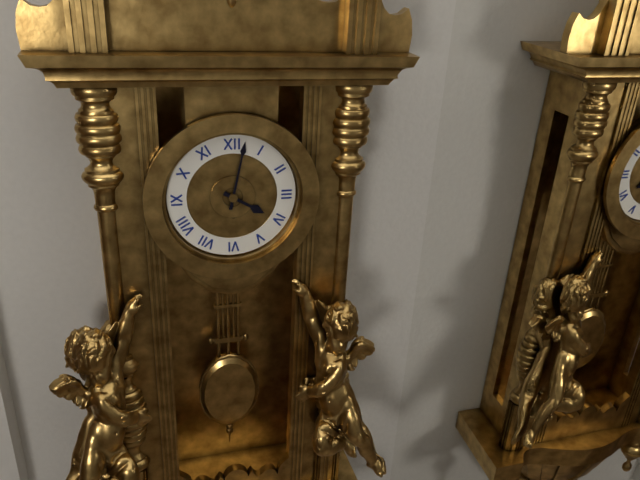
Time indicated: 4:02
